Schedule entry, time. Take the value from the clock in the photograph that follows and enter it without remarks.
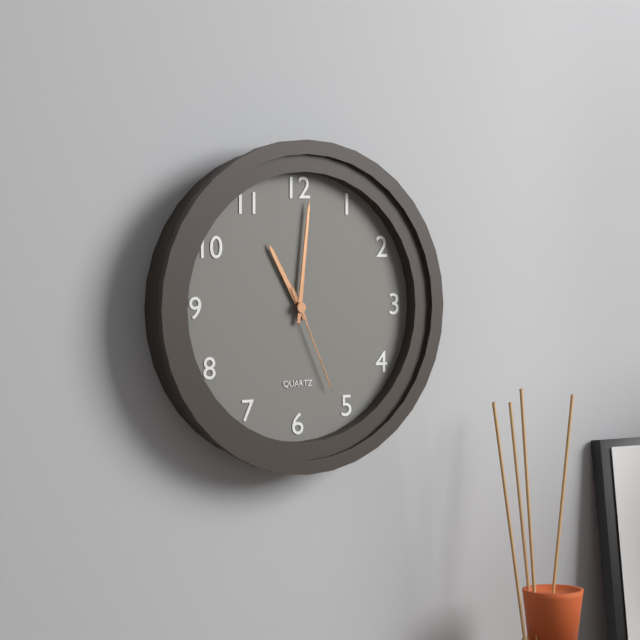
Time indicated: 11:01:26
